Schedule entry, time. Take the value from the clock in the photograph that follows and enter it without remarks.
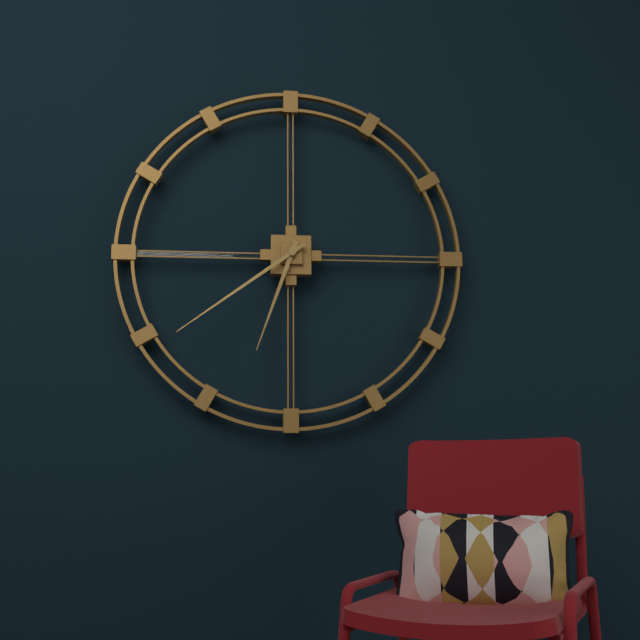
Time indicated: 6:39
